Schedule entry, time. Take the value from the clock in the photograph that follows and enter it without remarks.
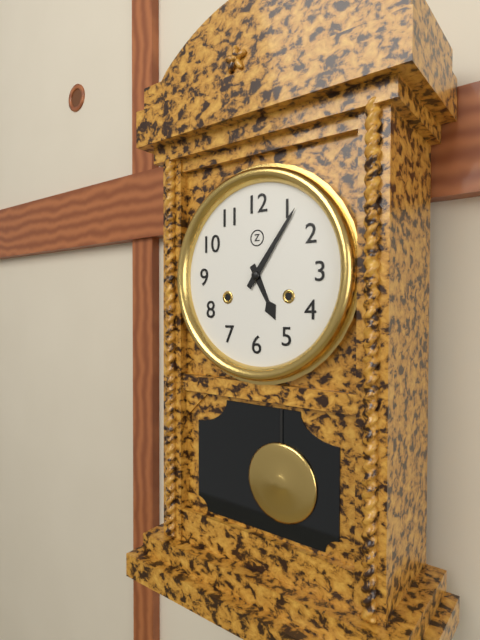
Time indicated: 5:06
